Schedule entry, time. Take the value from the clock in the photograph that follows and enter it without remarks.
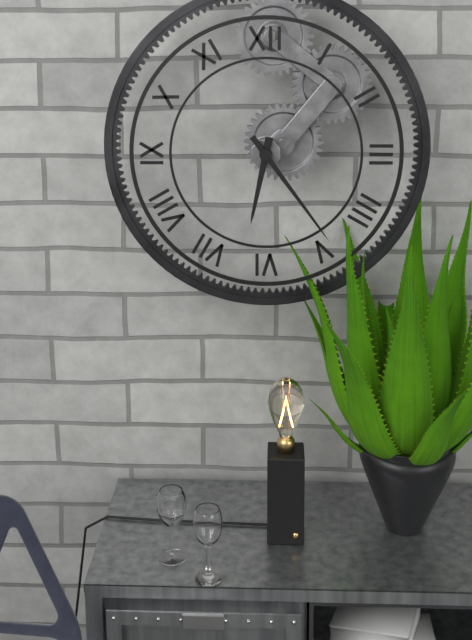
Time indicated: 6:24
